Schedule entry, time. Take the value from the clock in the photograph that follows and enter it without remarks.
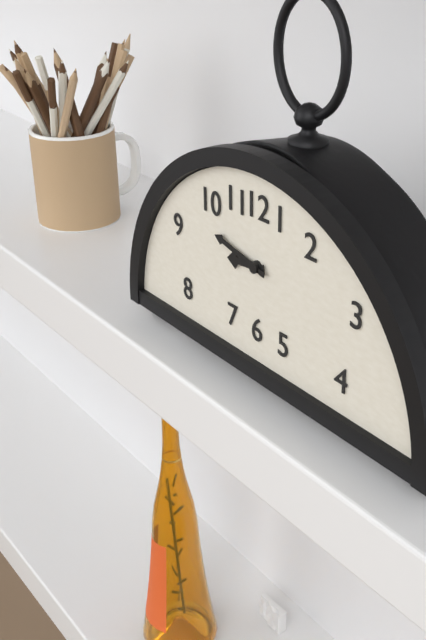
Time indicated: 8:47
